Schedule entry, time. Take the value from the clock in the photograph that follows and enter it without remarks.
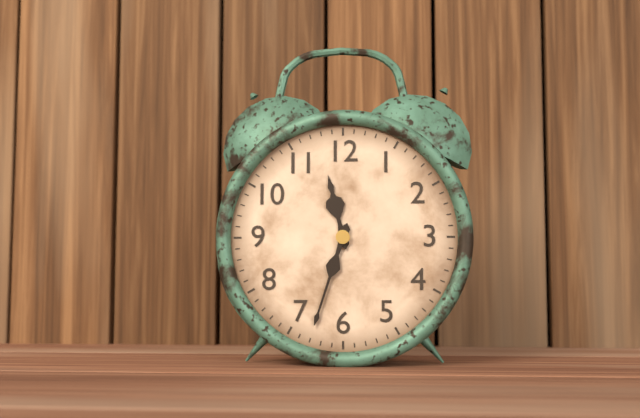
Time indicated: 11:33
